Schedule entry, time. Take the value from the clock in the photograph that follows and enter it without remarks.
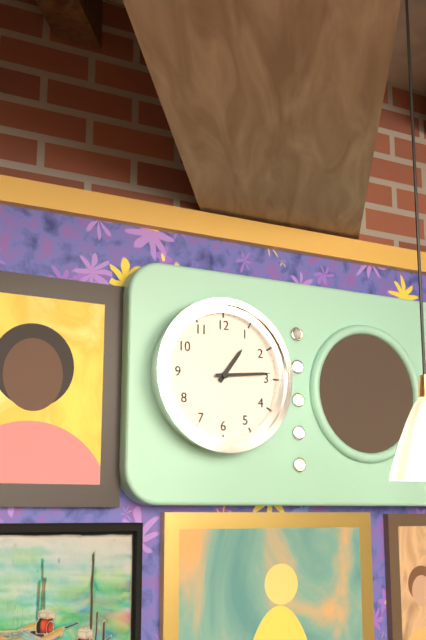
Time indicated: 1:14
